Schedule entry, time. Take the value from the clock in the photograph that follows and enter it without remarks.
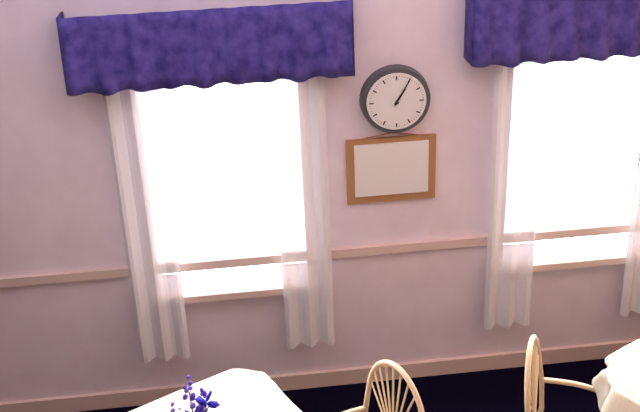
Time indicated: 1:05
